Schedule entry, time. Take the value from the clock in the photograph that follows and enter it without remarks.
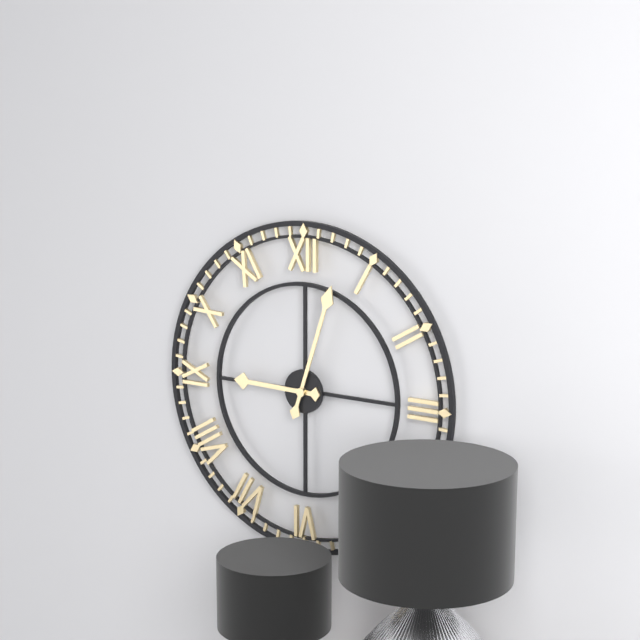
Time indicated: 9:03
